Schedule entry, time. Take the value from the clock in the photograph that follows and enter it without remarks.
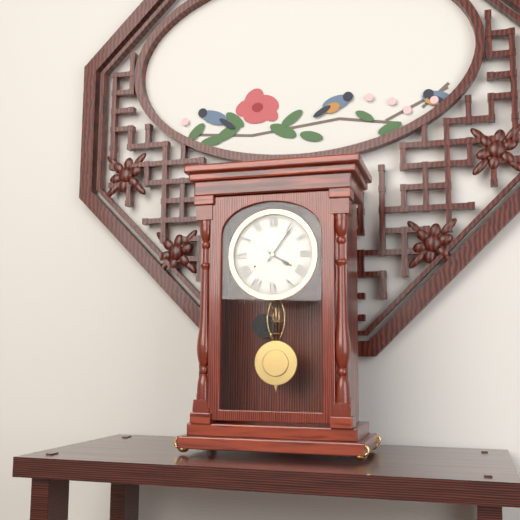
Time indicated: 4:06
